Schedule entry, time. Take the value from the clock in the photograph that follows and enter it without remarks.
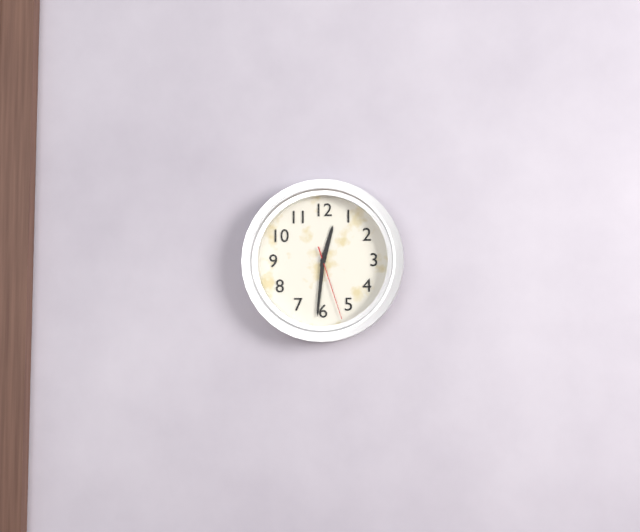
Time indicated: 12:31:27
